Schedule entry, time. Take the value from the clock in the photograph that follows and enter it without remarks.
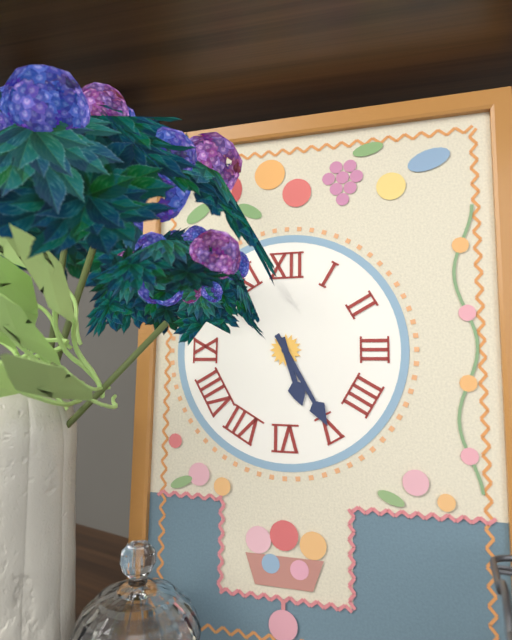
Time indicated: 5:25
